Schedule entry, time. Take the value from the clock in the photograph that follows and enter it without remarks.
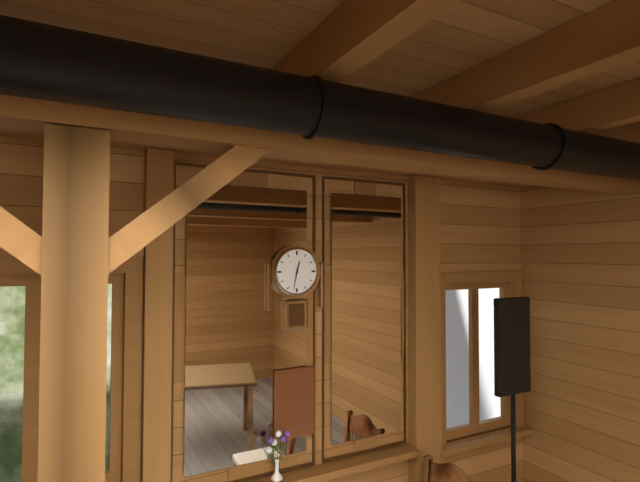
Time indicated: 12:32
